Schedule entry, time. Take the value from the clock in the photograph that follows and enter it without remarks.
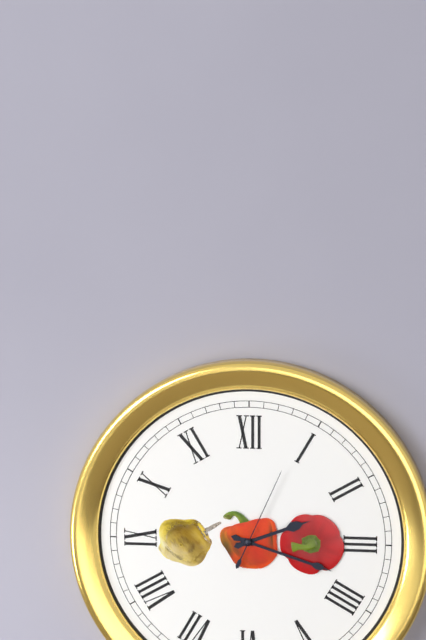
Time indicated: 2:18:04
